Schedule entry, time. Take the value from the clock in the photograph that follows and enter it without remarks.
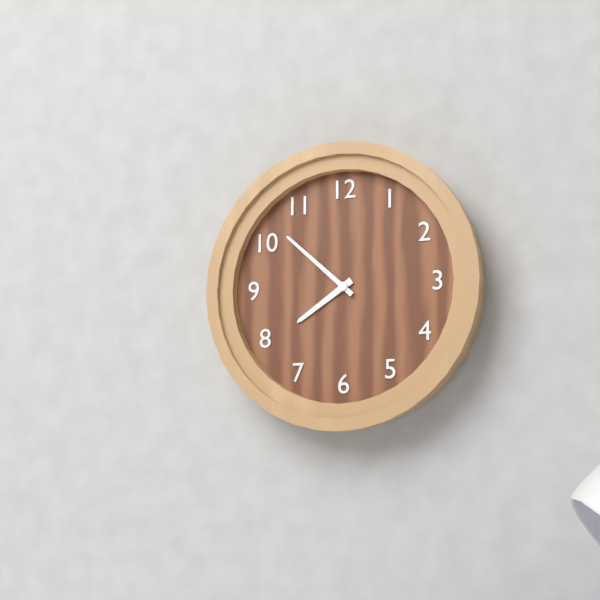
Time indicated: 7:52
